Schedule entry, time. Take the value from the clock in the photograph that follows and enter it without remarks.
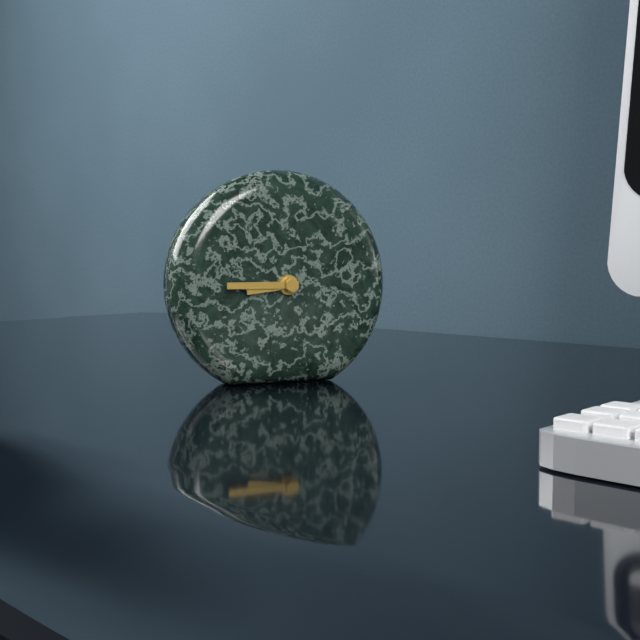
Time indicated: 8:45
